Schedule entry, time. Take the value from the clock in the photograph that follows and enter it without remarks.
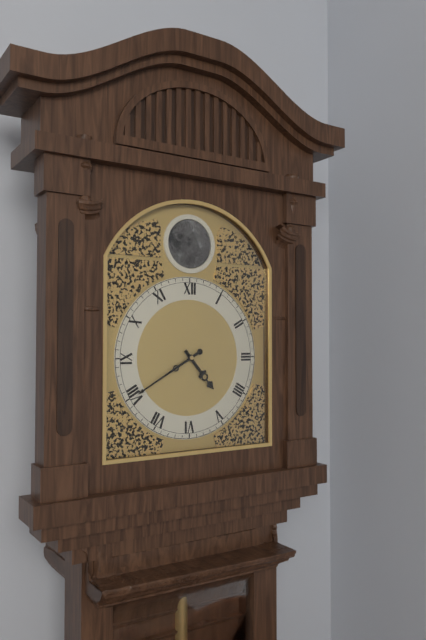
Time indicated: 4:40
